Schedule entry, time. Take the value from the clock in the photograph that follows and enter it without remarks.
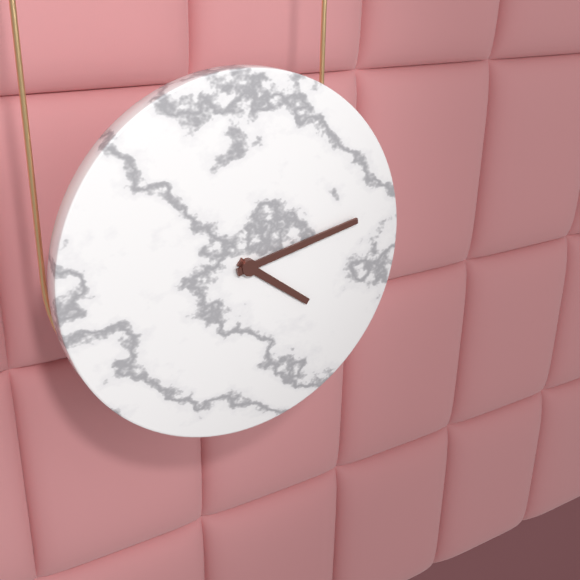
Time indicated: 4:13
